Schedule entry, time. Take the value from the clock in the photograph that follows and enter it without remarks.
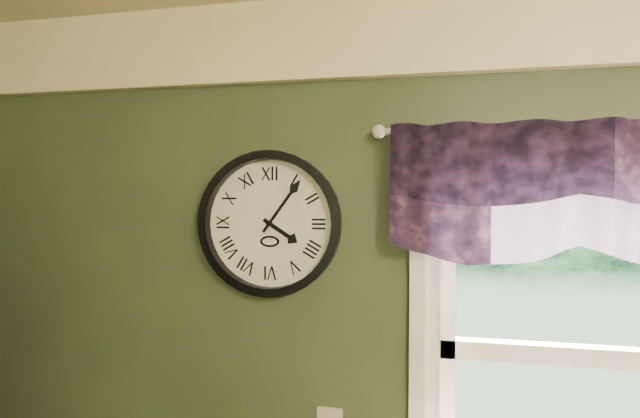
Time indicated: 4:06
